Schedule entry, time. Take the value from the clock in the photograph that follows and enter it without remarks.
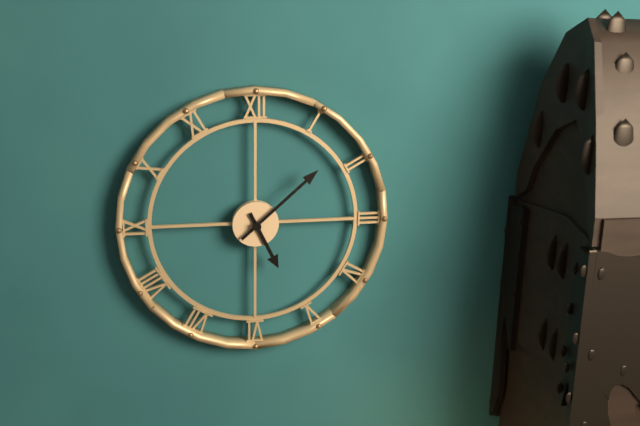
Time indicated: 5:08
